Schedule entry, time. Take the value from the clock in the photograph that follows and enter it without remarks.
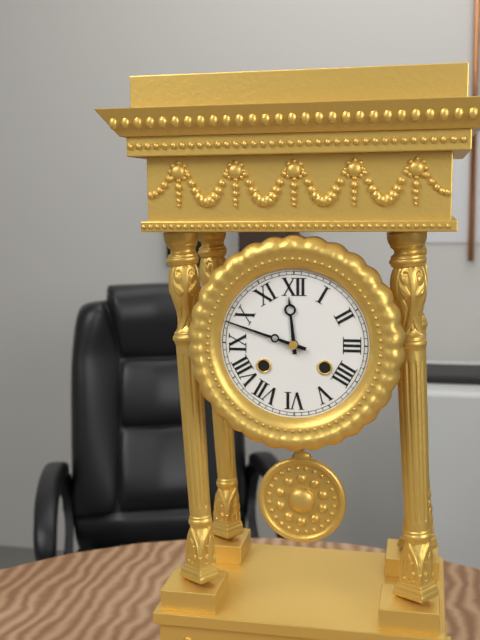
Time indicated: 11:48
